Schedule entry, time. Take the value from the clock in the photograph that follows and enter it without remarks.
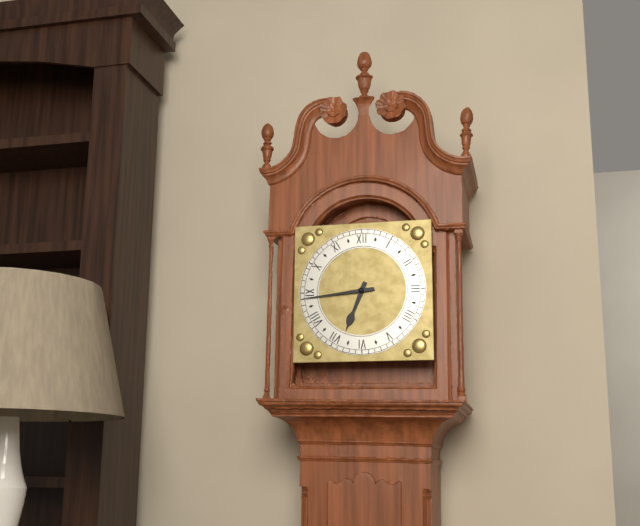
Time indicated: 6:44
